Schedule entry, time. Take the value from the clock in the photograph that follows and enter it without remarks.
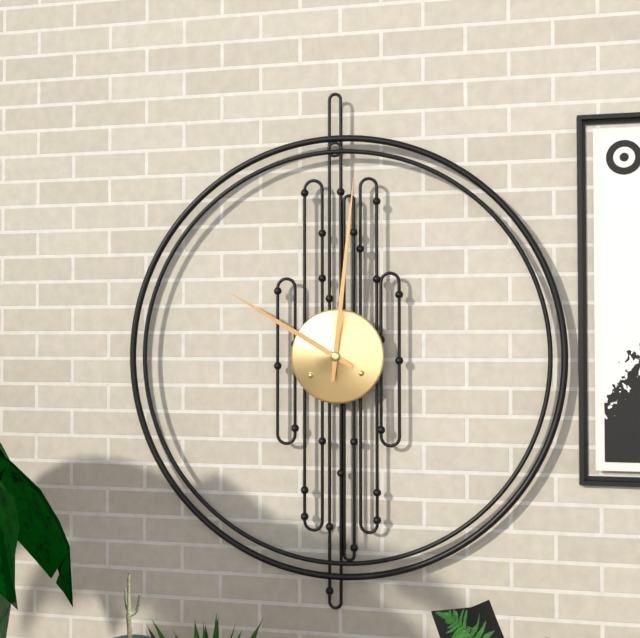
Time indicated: 10:01
